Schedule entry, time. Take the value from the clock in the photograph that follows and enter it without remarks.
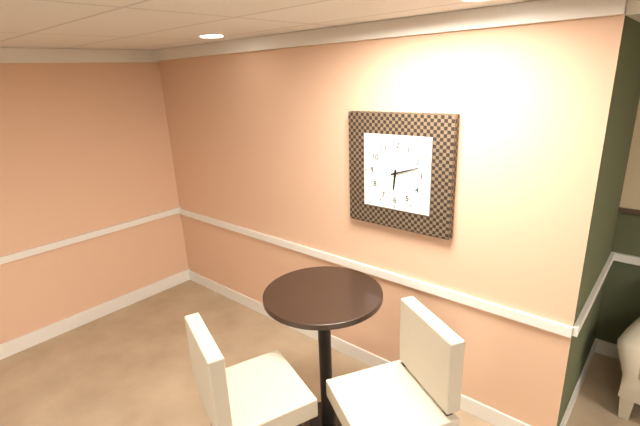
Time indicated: 6:12
